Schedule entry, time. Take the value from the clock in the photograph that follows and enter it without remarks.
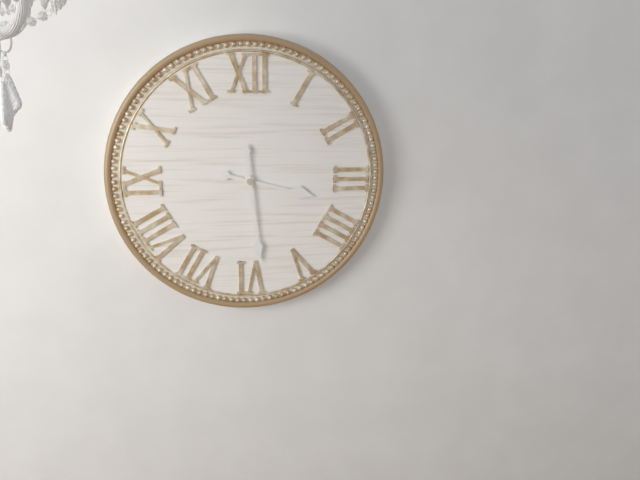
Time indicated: 3:29
